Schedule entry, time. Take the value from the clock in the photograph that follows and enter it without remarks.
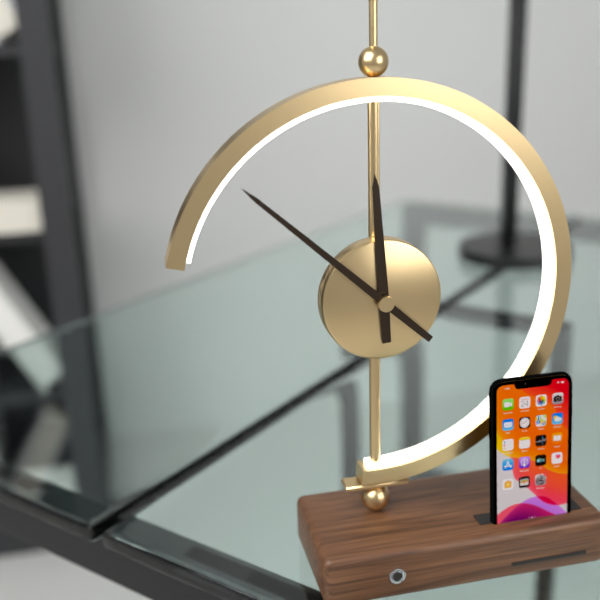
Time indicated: 11:52
